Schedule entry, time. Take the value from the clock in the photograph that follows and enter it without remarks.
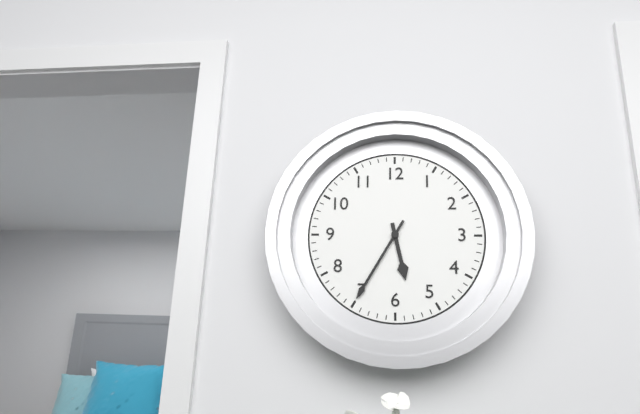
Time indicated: 5:35
